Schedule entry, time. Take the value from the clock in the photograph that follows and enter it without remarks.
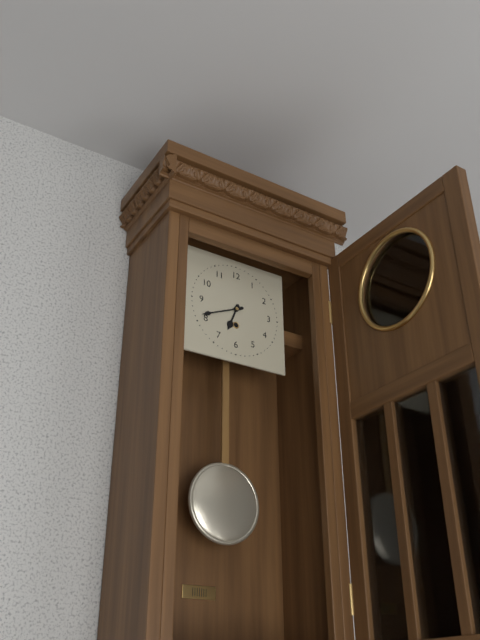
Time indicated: 6:41
